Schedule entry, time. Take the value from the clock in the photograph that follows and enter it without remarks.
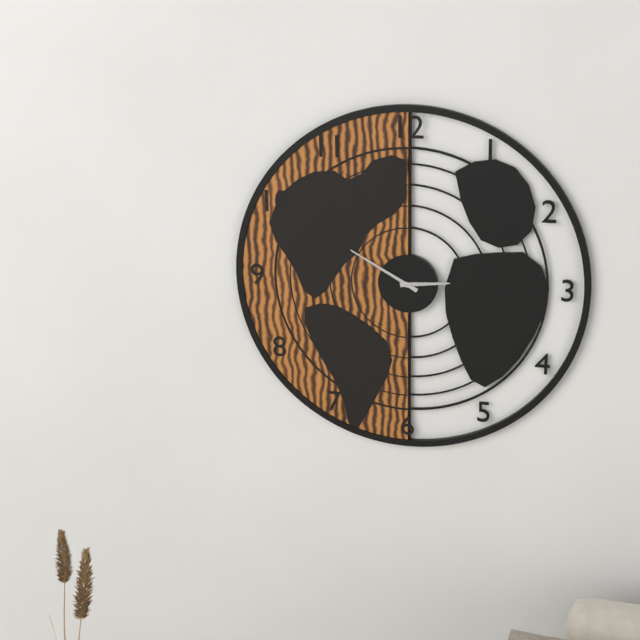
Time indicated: 2:50
